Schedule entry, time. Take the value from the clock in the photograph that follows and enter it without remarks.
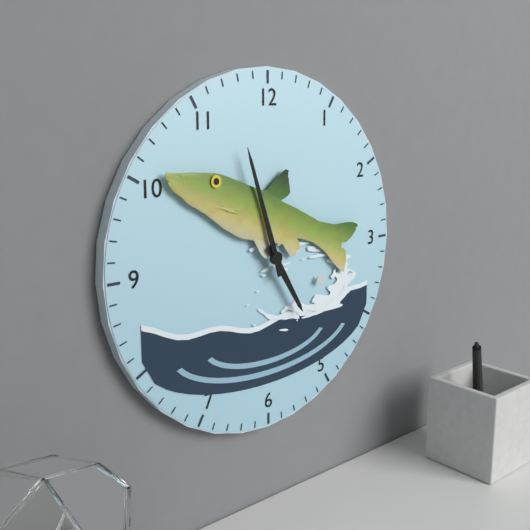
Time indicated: 4:57
